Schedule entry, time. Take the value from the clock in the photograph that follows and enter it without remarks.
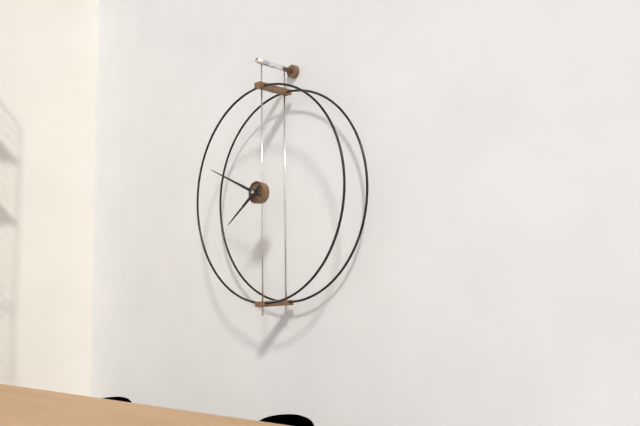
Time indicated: 7:49
